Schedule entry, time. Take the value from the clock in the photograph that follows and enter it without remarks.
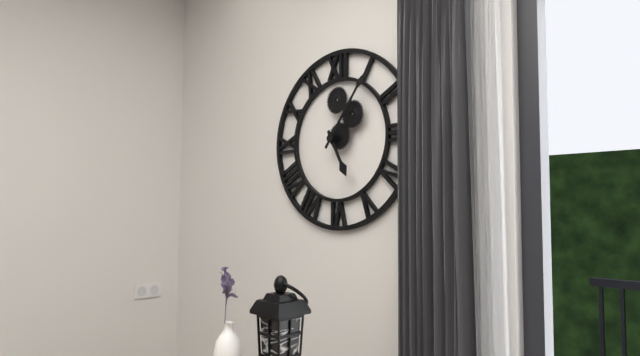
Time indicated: 5:06
